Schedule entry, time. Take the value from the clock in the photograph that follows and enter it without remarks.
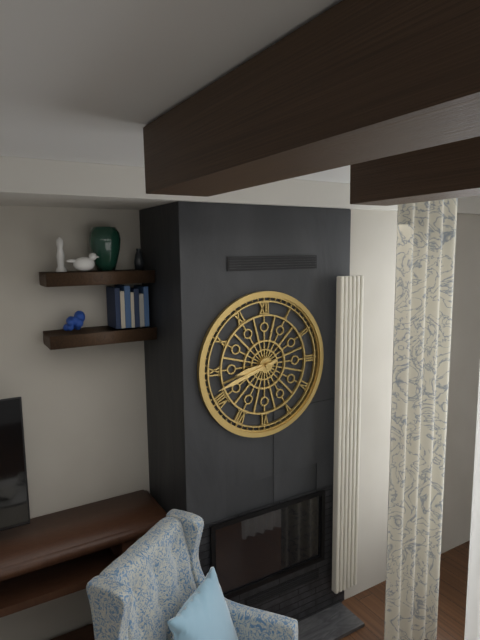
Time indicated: 8:42
